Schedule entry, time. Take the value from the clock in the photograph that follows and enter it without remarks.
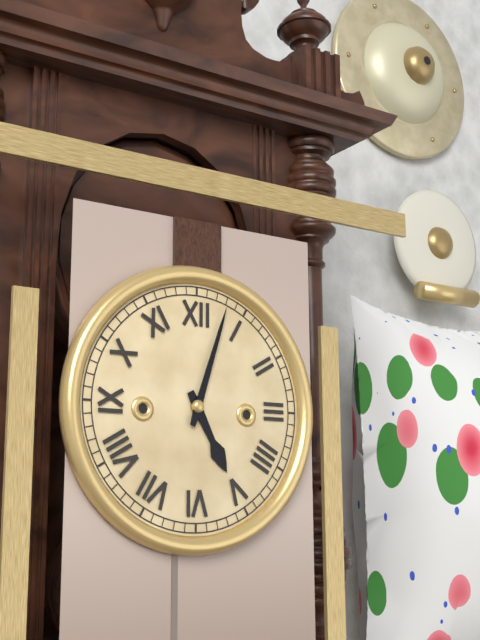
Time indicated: 5:03
